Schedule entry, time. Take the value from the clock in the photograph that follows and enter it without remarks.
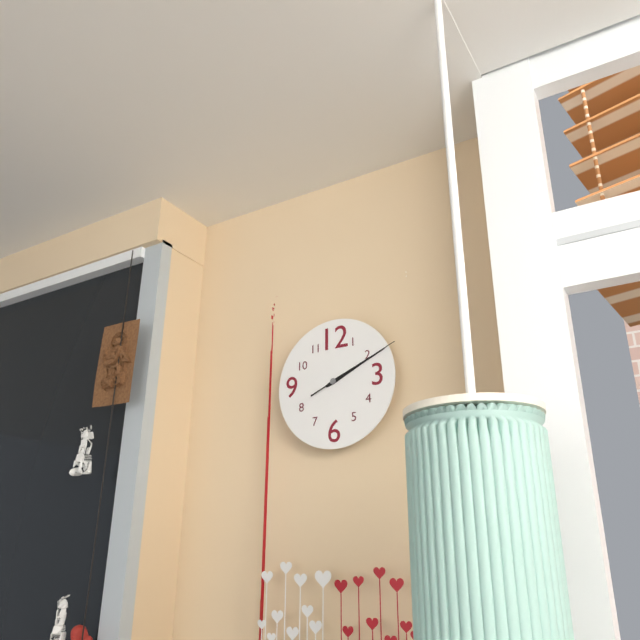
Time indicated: 2:11:11
